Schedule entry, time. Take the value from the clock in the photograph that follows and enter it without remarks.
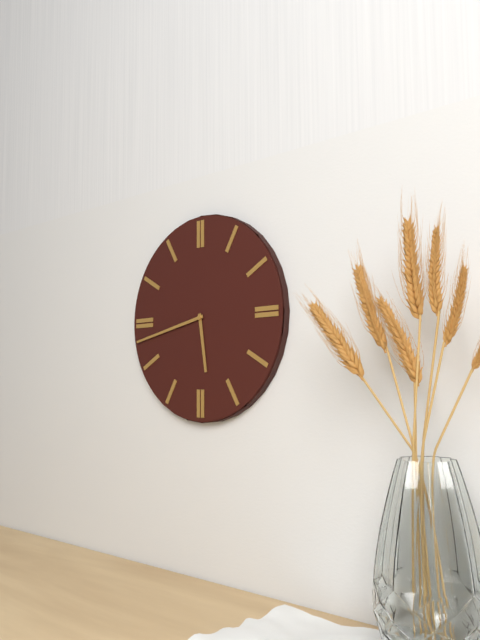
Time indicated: 5:43
